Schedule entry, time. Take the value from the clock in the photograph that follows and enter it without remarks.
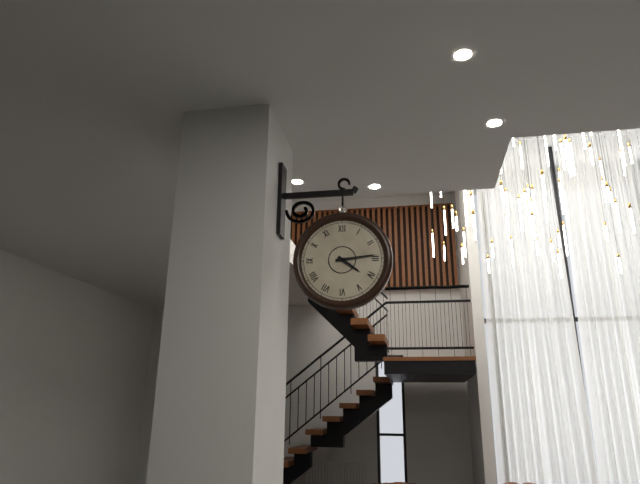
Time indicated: 4:14
